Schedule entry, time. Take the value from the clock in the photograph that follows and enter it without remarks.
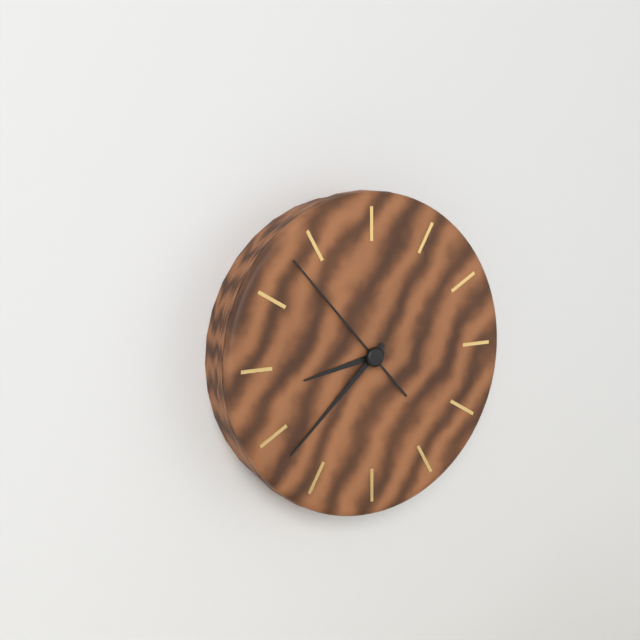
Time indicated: 8:38:53
